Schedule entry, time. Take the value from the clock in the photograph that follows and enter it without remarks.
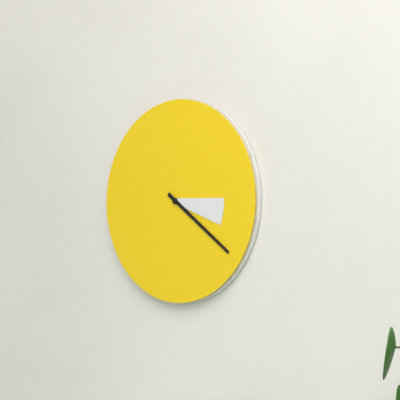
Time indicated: 3:21
